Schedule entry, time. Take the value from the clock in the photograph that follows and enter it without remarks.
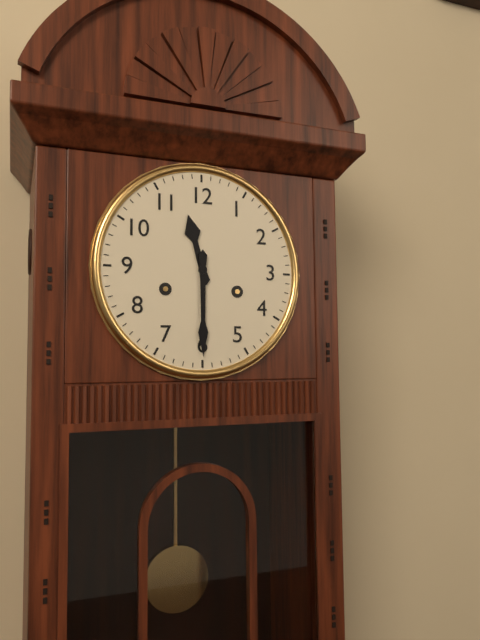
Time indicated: 11:30
